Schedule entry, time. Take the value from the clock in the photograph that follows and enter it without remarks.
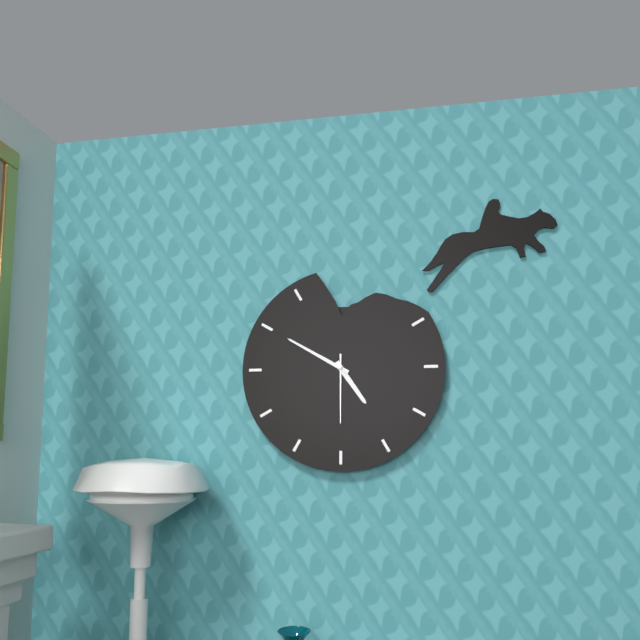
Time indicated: 4:50:30
